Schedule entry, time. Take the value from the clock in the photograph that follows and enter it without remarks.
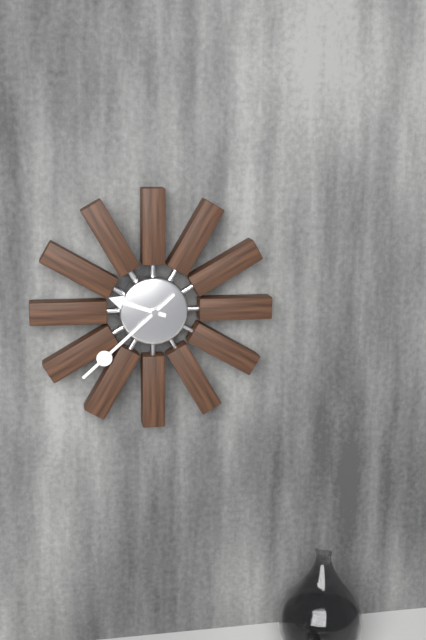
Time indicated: 9:38
